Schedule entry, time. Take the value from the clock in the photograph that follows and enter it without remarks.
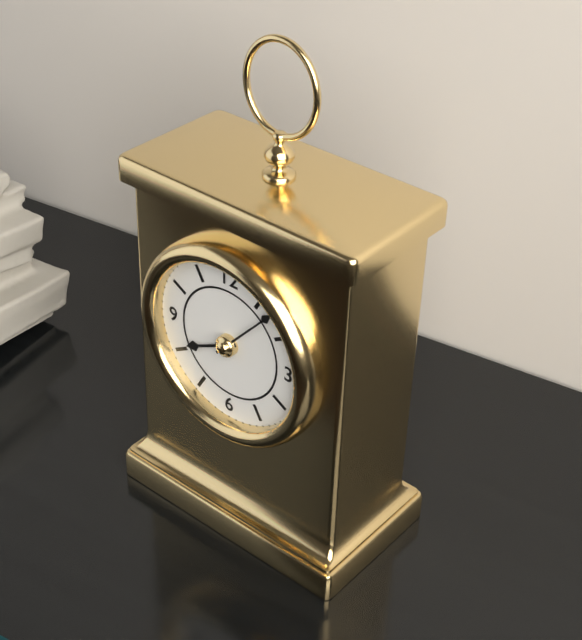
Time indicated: 8:07
